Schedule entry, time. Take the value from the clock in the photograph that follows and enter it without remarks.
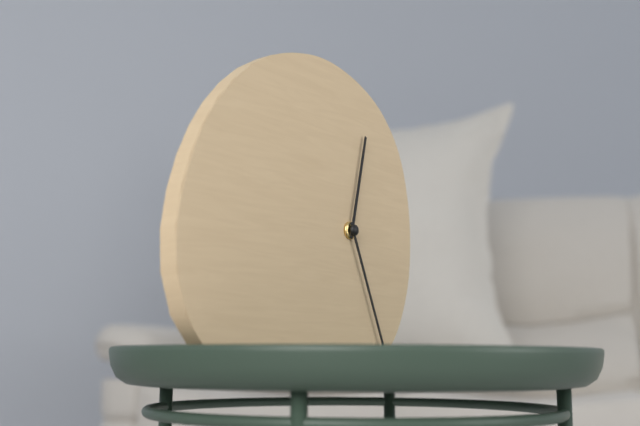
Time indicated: 12:26
